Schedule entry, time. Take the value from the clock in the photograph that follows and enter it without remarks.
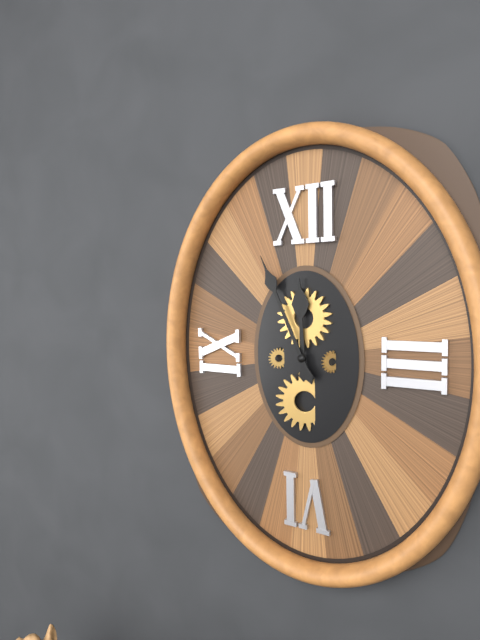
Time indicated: 11:56
